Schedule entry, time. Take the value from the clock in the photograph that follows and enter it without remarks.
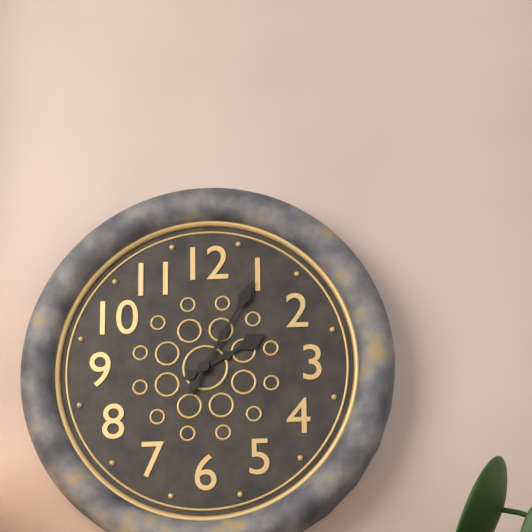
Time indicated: 2:05
